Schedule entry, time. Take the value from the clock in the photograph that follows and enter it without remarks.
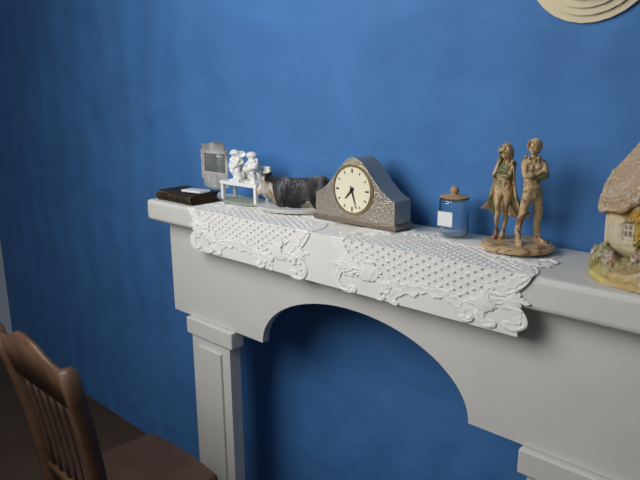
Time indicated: 7:27
